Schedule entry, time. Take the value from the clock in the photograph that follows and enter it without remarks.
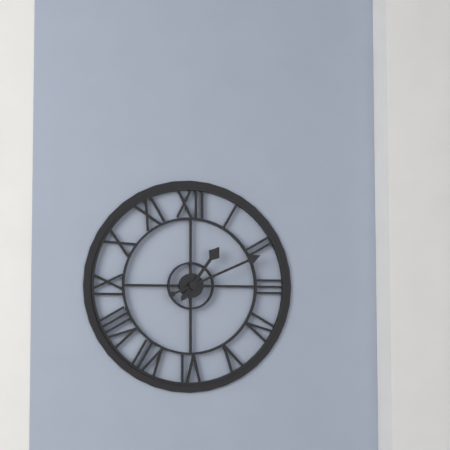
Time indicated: 1:11
